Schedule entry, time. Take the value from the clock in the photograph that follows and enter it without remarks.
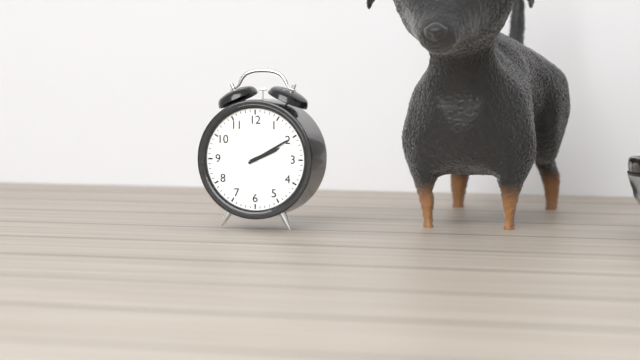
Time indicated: 2:10
